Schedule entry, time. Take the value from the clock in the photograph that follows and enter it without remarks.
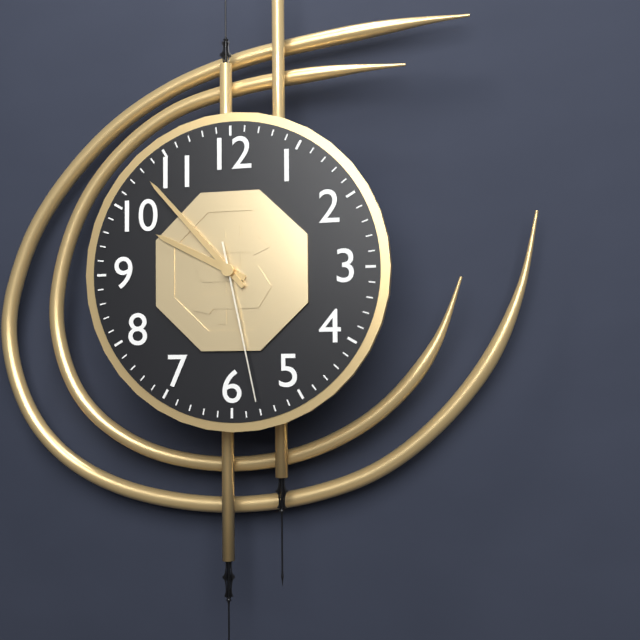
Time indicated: 9:53:28
